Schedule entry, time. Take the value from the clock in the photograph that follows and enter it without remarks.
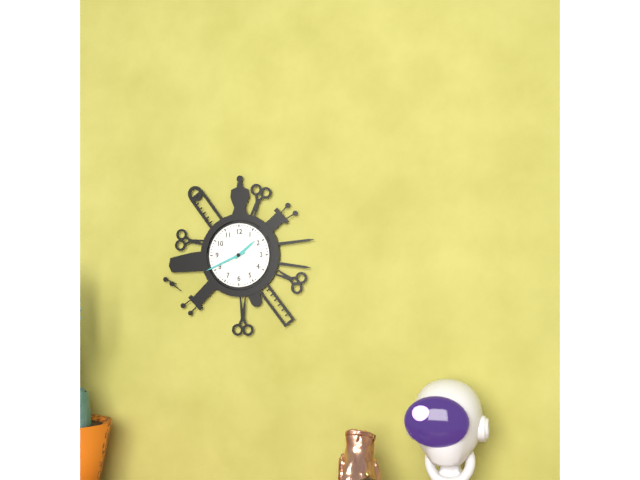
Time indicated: 1:41
